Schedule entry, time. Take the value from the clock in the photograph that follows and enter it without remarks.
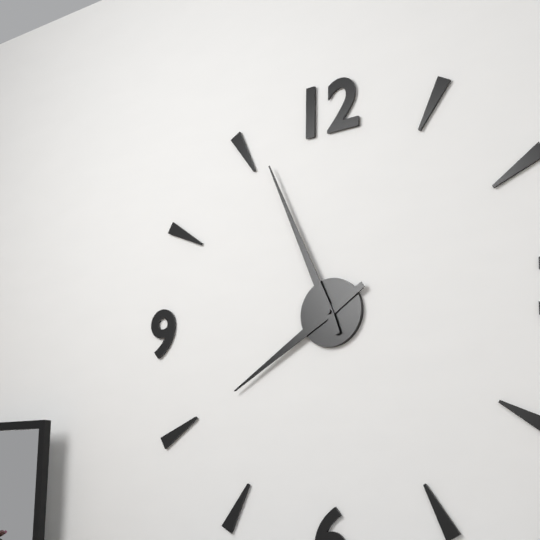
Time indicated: 7:56
